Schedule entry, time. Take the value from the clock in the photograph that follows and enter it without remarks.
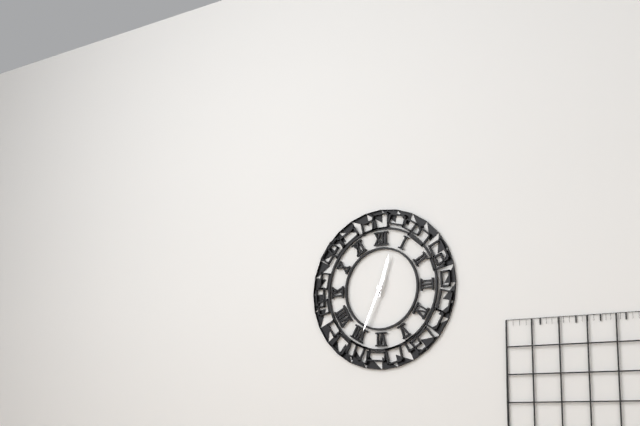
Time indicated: 12:34
